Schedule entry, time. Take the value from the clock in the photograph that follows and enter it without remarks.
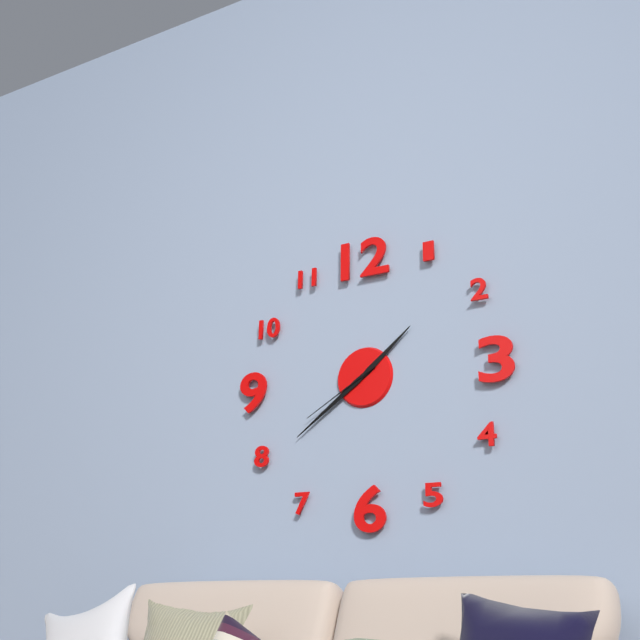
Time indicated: 1:39:40
